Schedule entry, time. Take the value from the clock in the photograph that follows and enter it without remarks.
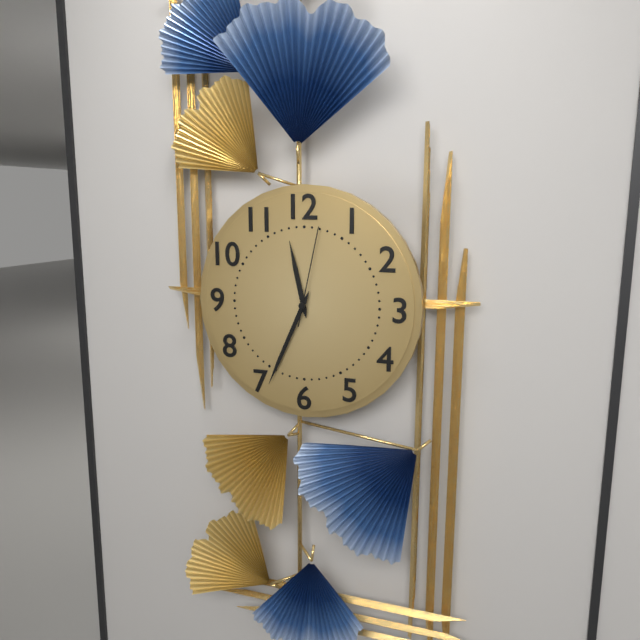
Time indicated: 11:34:02
